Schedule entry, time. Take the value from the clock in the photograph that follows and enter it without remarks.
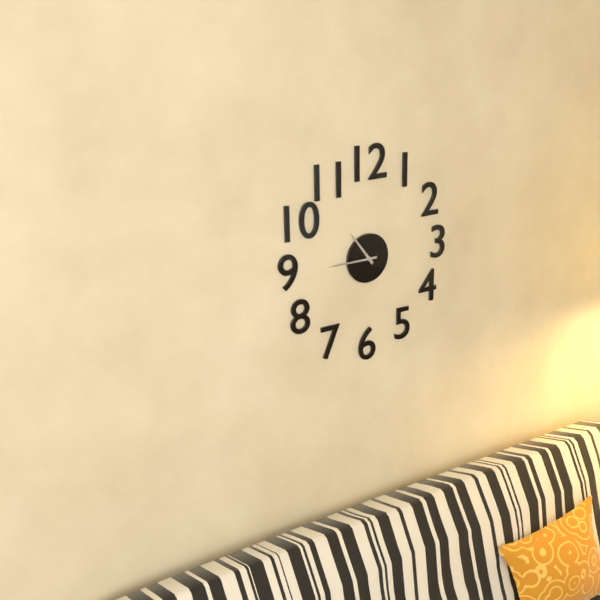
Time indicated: 10:45
